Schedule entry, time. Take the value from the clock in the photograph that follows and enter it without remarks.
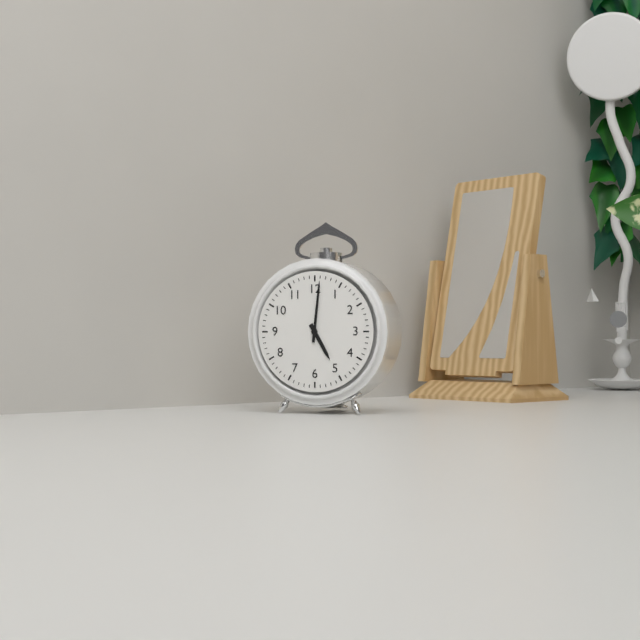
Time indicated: 5:01
